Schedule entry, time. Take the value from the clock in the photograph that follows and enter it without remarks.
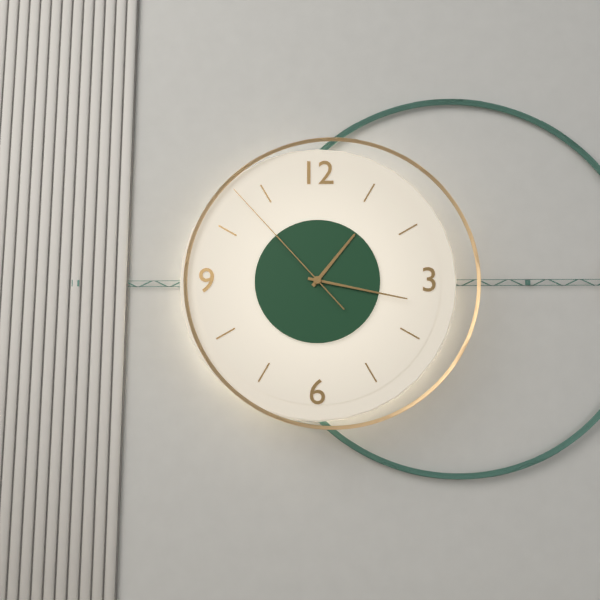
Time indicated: 1:17:53
